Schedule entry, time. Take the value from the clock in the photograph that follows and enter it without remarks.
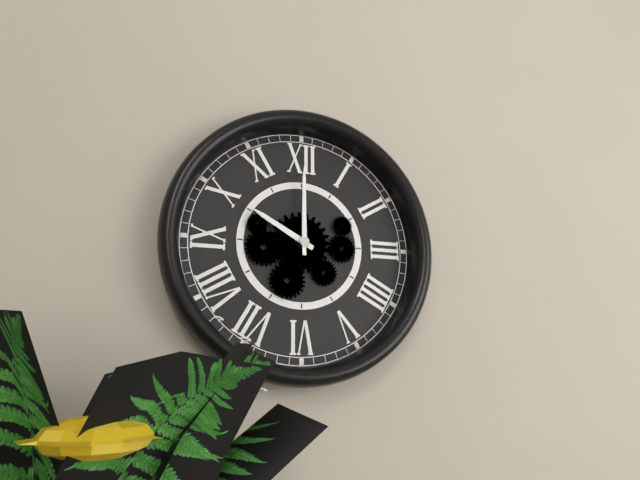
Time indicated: 10:00
